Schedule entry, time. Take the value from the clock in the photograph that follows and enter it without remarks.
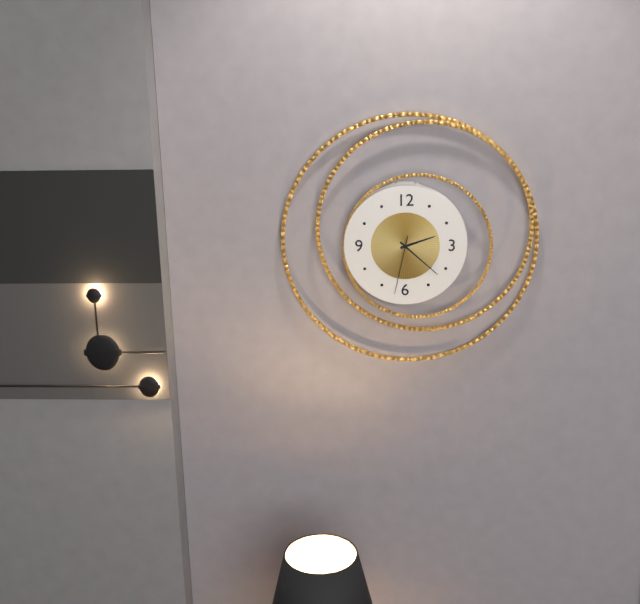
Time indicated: 2:22:32
